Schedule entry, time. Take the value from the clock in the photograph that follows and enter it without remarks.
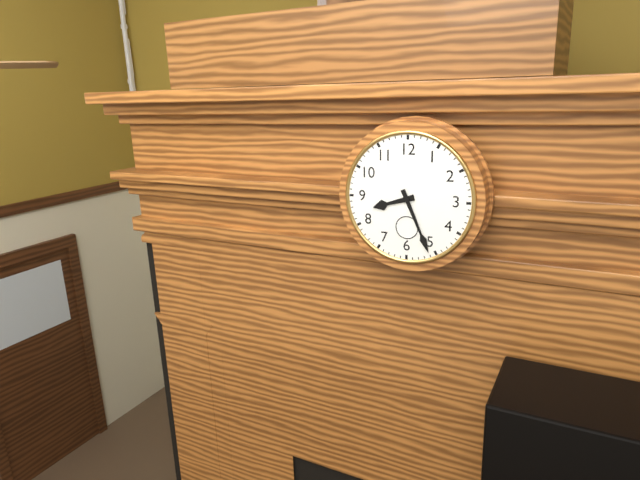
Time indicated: 8:26
